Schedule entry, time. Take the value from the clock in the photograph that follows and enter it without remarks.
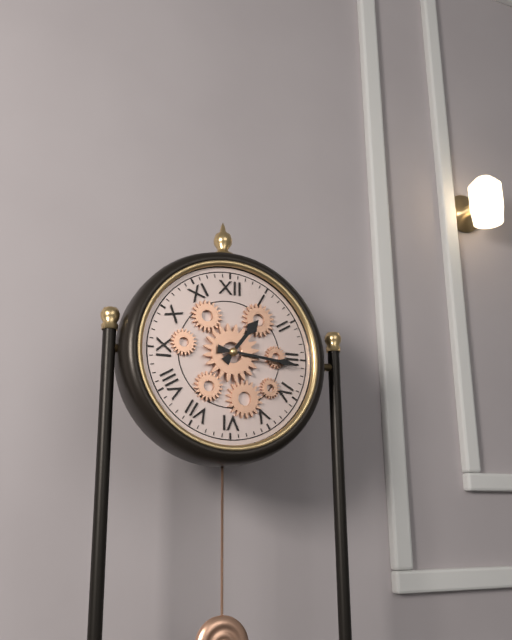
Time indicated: 1:16
